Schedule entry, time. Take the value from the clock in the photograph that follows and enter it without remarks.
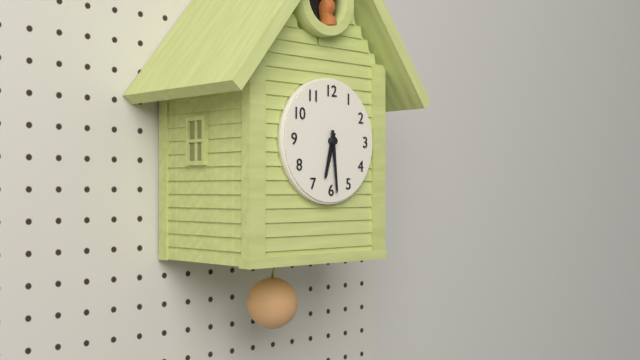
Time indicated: 6:29
